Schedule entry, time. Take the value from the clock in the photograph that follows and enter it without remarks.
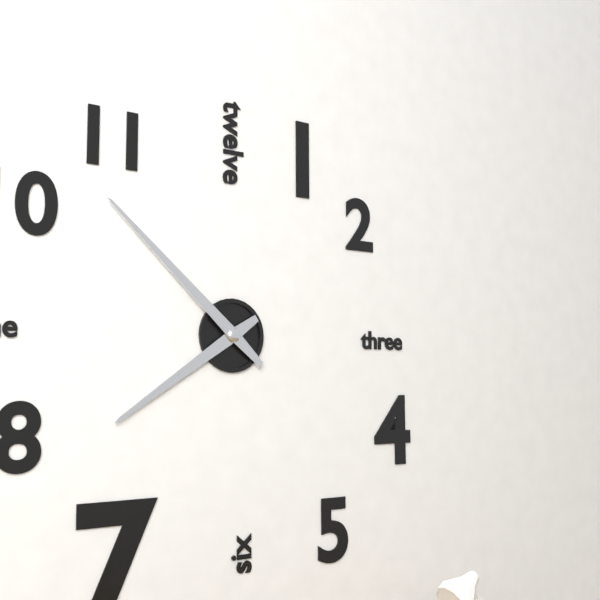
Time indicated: 7:52
